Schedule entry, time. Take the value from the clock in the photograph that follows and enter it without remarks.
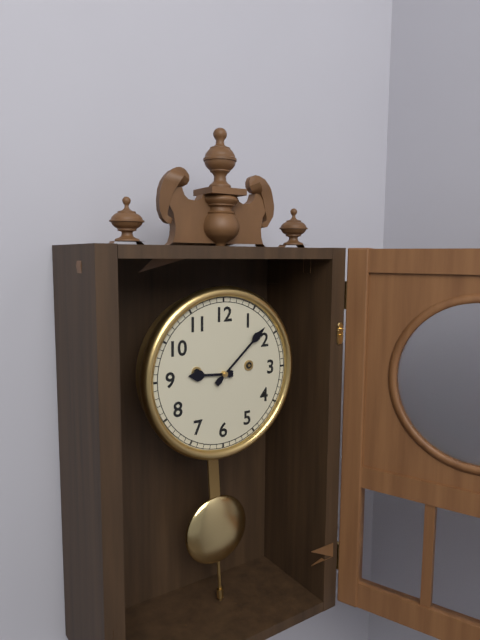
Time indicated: 9:08
